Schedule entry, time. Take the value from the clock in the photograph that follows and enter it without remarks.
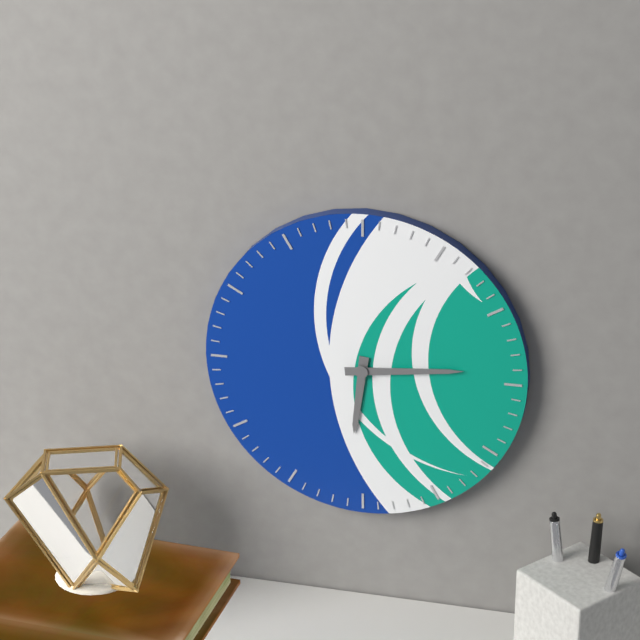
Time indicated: 6:14
